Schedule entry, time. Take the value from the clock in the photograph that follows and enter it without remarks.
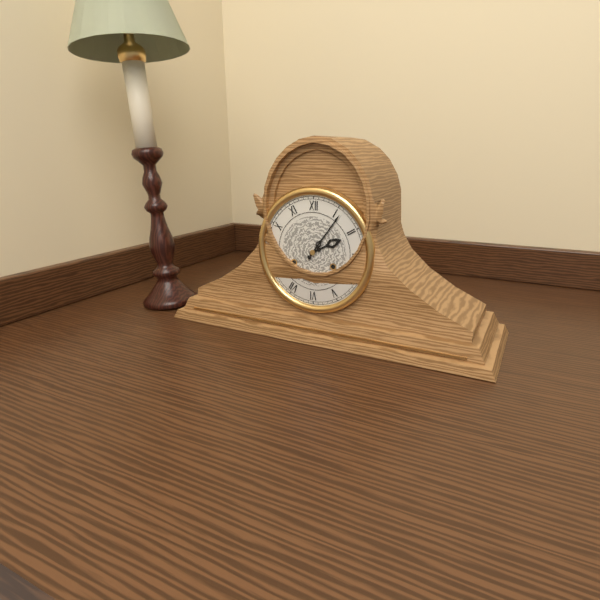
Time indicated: 2:06
